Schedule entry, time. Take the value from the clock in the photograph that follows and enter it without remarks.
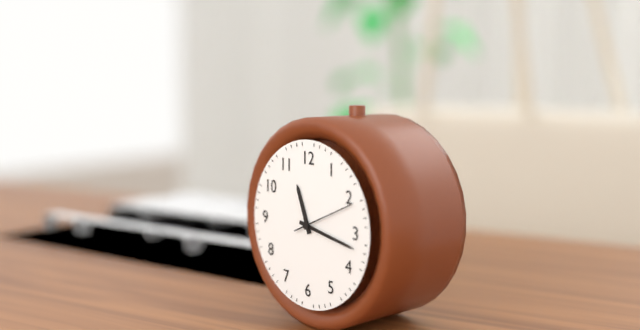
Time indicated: 11:17:11
